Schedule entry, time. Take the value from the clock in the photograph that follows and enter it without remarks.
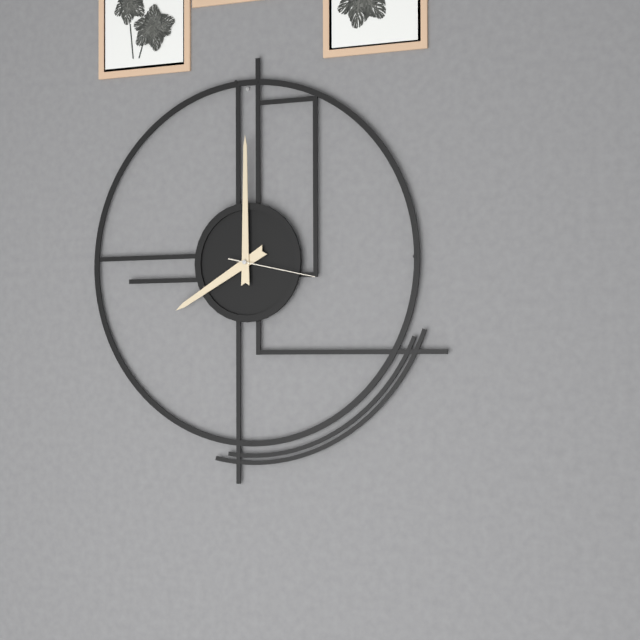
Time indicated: 8:00:17
